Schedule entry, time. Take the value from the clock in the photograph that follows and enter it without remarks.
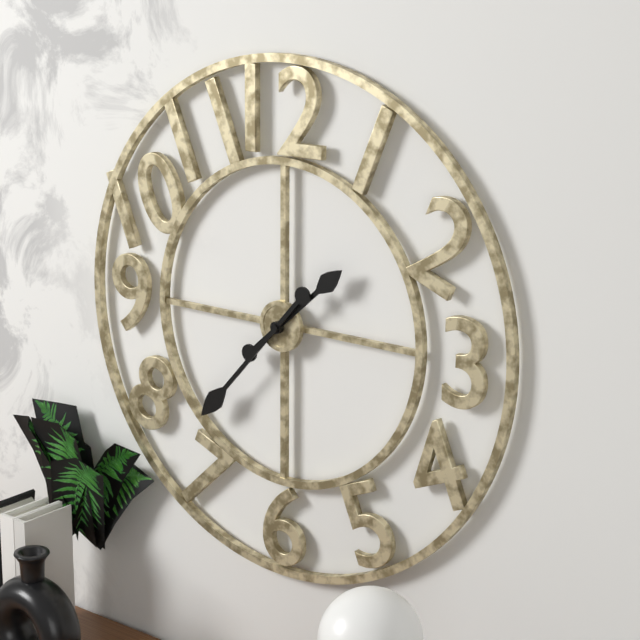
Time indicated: 1:37
